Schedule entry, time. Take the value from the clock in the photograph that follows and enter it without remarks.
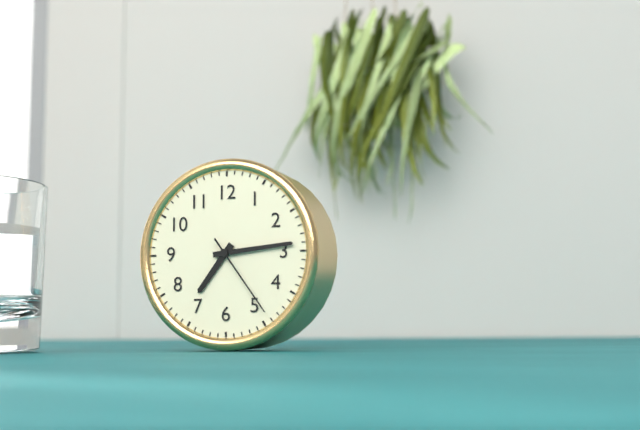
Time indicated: 7:14:24
